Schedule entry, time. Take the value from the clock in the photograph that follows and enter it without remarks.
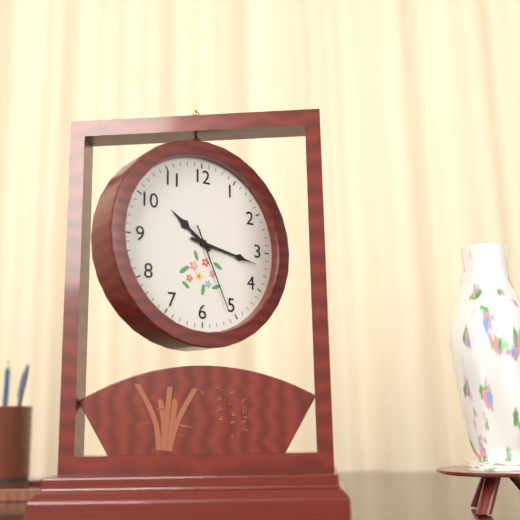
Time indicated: 10:17:26
